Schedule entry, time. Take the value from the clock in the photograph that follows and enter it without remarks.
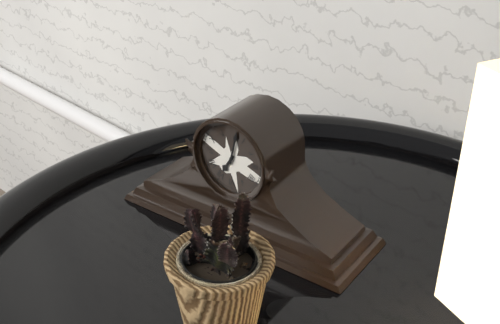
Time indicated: 7:02
